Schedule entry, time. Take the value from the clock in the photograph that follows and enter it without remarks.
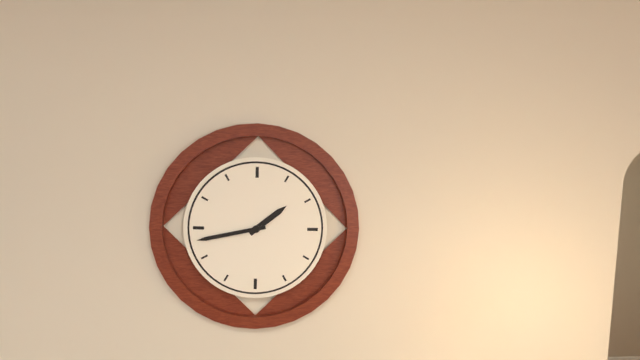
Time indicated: 1:43
